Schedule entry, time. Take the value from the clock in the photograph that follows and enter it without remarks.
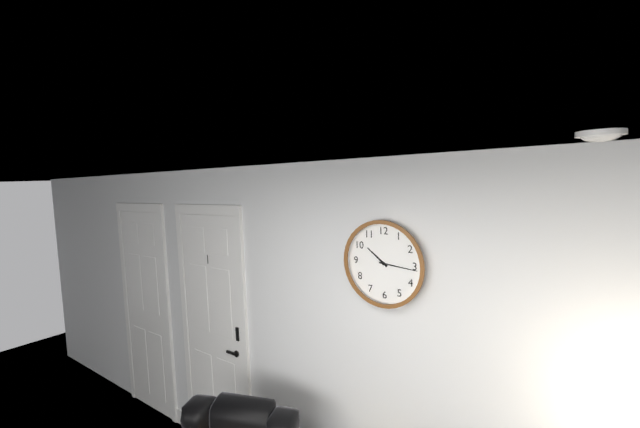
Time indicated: 10:16
